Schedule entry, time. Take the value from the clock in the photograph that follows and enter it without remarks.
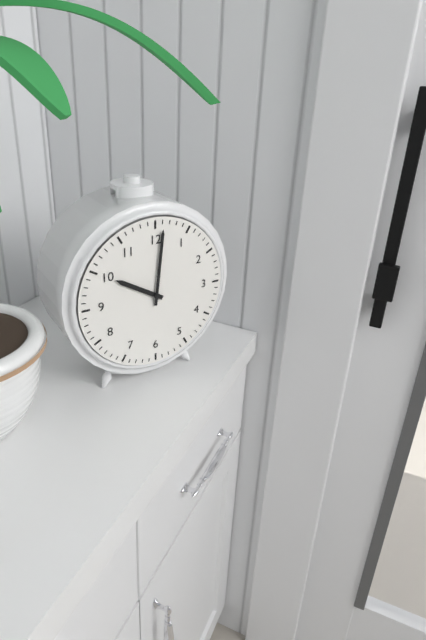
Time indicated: 10:01
